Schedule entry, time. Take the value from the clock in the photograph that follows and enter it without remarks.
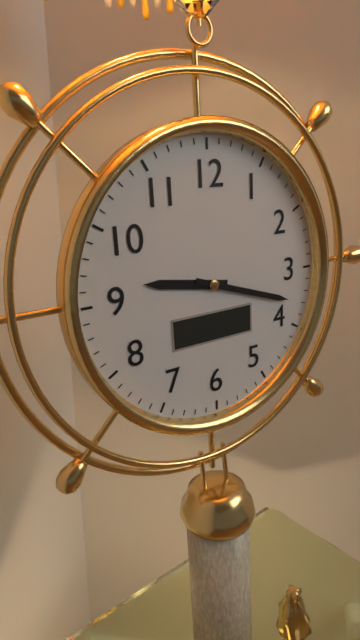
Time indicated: 9:18
